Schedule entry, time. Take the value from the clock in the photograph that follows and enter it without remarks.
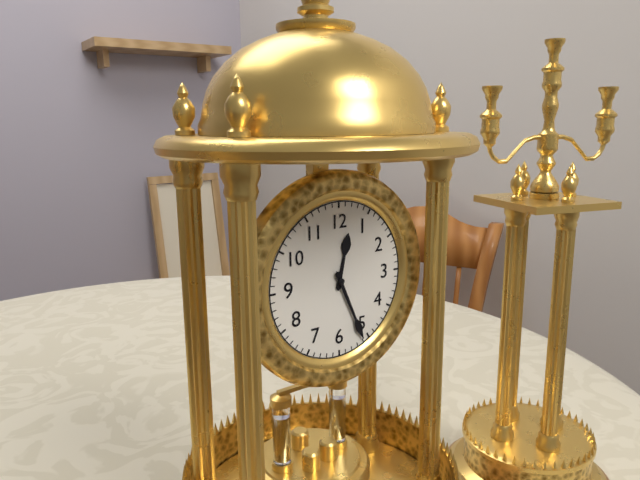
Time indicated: 12:26
